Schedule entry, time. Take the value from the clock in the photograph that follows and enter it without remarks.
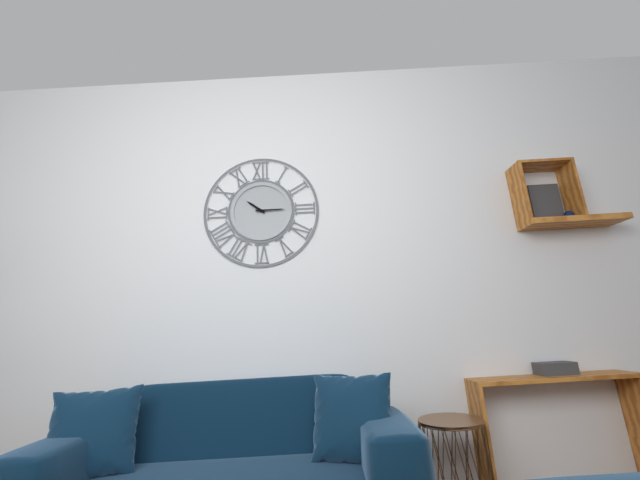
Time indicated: 10:15
